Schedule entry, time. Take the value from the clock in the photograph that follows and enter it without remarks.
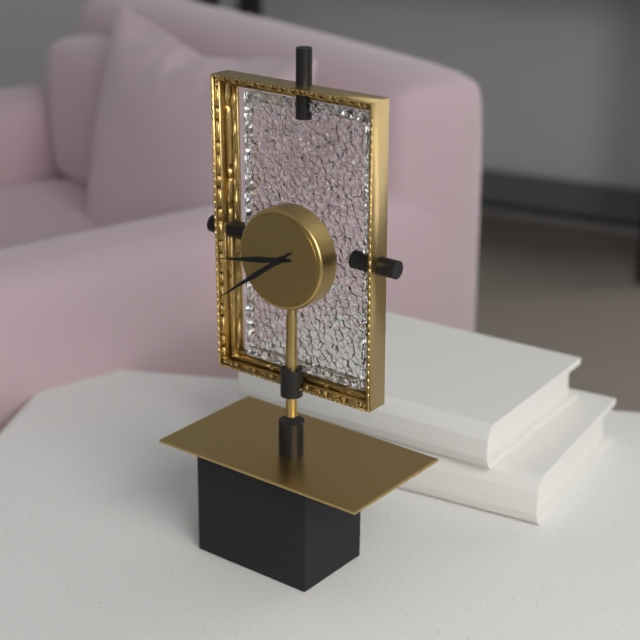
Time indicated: 8:39
